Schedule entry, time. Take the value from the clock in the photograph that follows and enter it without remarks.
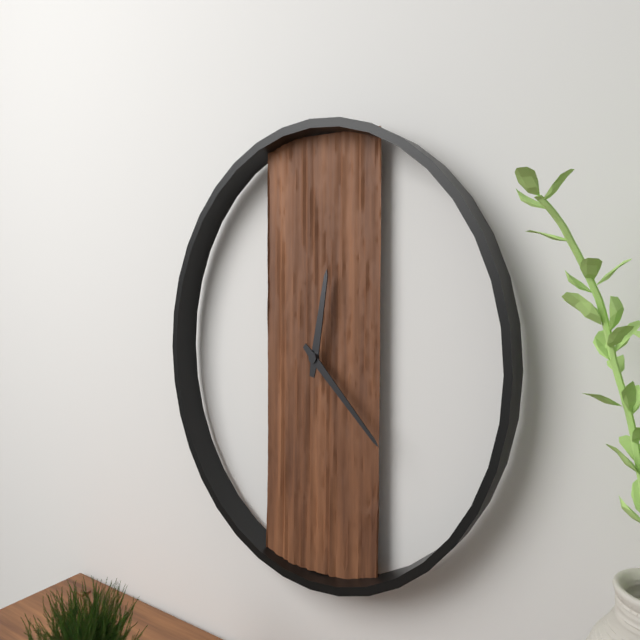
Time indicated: 12:22
